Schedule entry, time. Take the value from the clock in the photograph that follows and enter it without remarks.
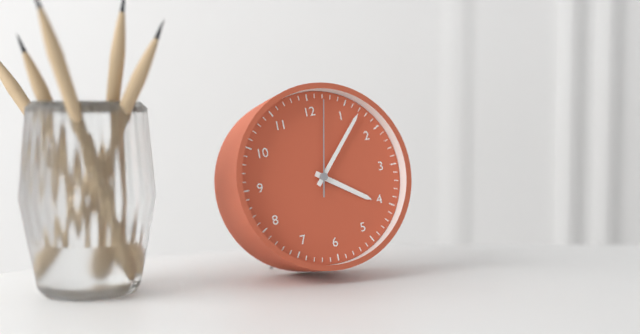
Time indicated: 4:07:02
